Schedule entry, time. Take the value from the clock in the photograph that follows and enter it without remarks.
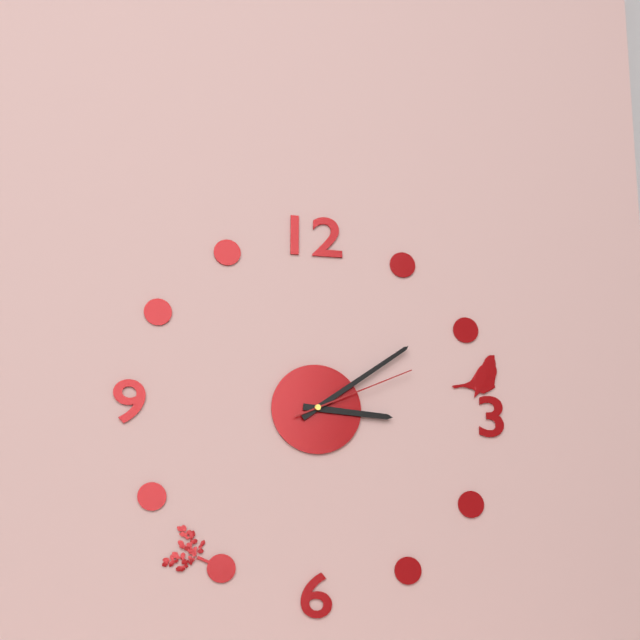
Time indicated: 3:09:11
